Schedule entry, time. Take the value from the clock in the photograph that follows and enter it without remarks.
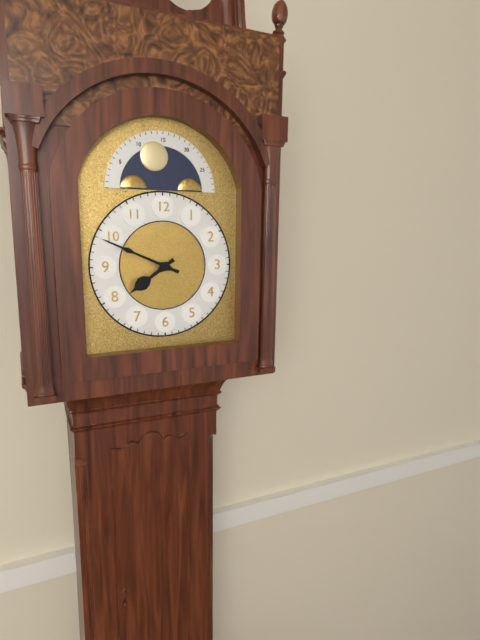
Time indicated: 7:49
